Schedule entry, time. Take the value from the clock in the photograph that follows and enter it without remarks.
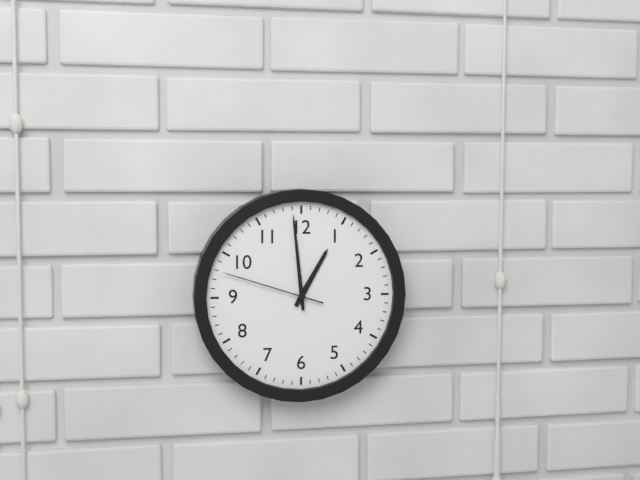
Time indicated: 12:59:48
